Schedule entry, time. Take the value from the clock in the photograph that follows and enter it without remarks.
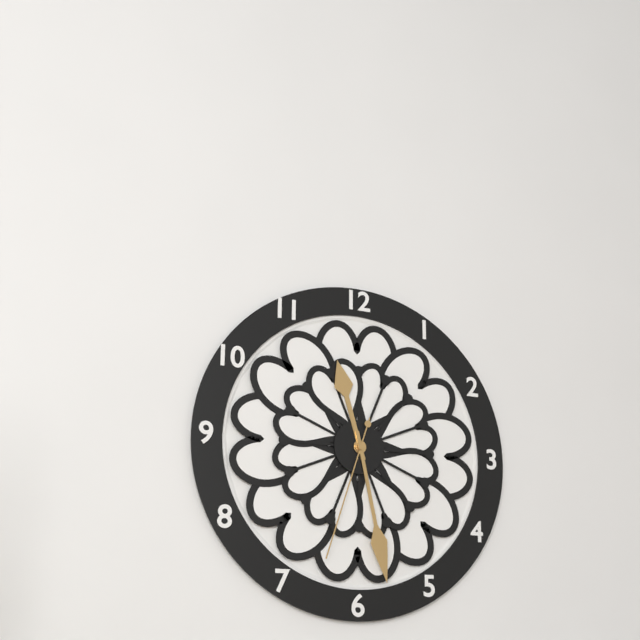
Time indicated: 11:28:33
